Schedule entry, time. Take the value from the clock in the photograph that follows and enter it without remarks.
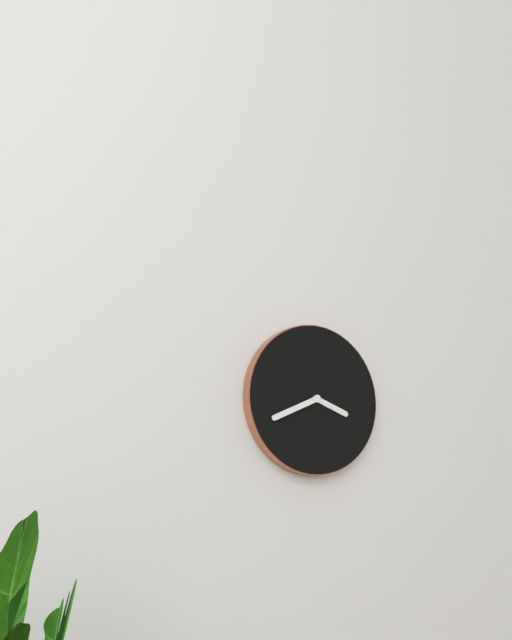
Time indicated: 3:41
